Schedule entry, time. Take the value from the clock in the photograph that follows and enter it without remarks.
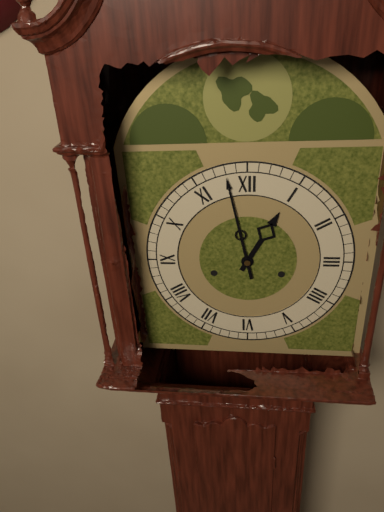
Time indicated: 12:58
